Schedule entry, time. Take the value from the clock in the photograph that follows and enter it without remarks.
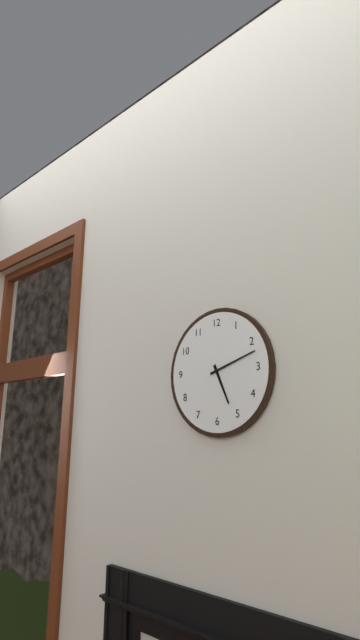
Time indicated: 5:12
